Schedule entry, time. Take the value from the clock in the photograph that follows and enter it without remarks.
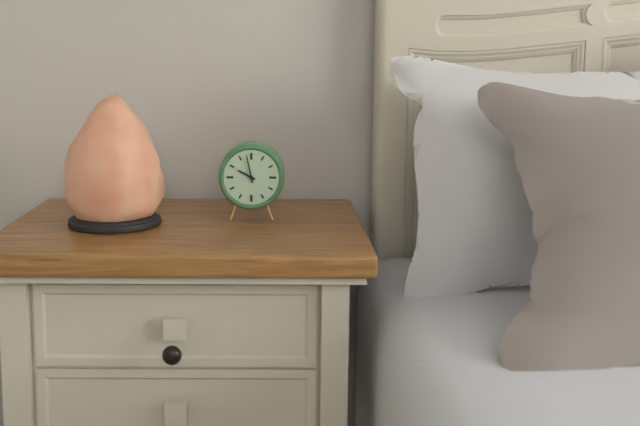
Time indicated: 9:58
